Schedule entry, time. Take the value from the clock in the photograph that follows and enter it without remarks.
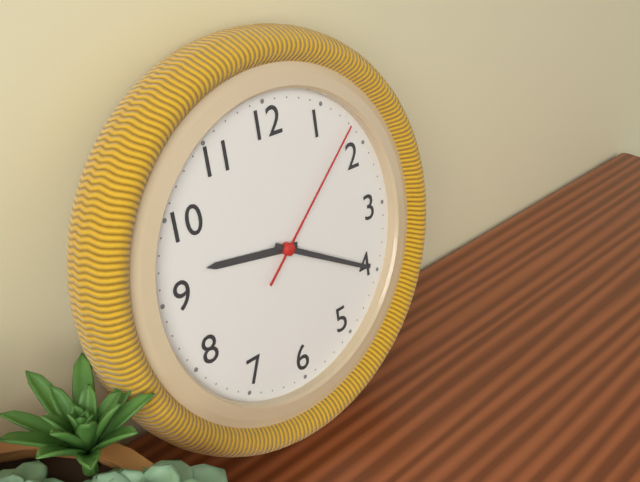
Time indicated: 9:20:08
